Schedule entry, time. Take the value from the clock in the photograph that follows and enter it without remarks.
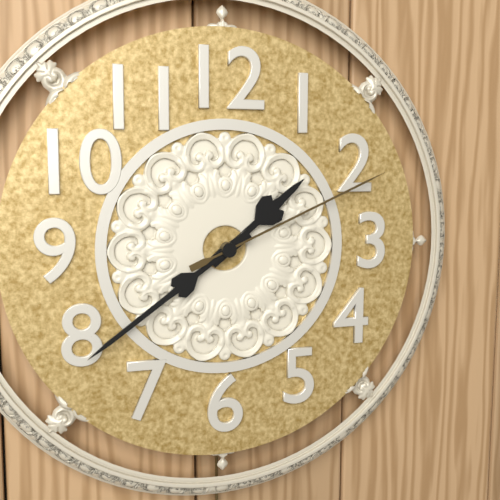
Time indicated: 1:39:11
